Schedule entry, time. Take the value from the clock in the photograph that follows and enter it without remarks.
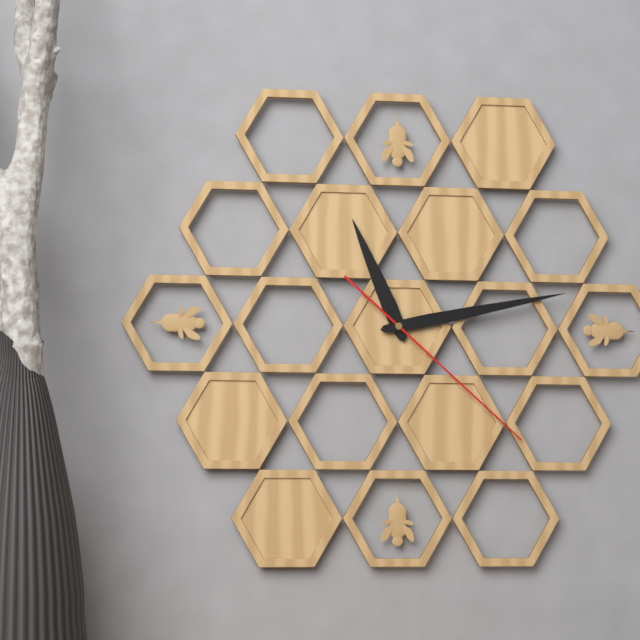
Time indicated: 11:13:22
